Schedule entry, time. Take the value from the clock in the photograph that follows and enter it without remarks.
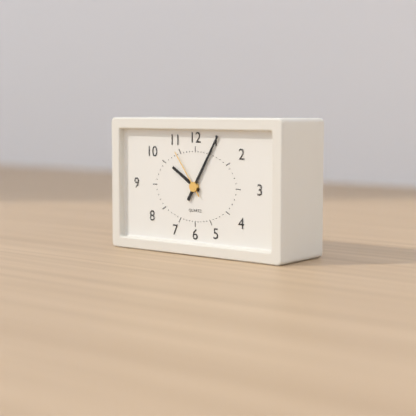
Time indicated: 10:05
